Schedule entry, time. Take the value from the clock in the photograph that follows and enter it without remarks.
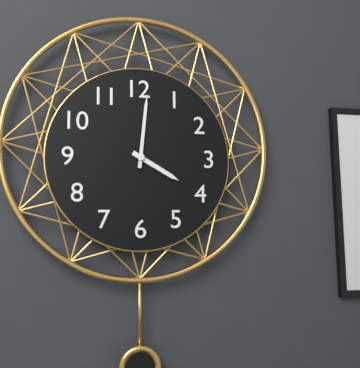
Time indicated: 4:01
